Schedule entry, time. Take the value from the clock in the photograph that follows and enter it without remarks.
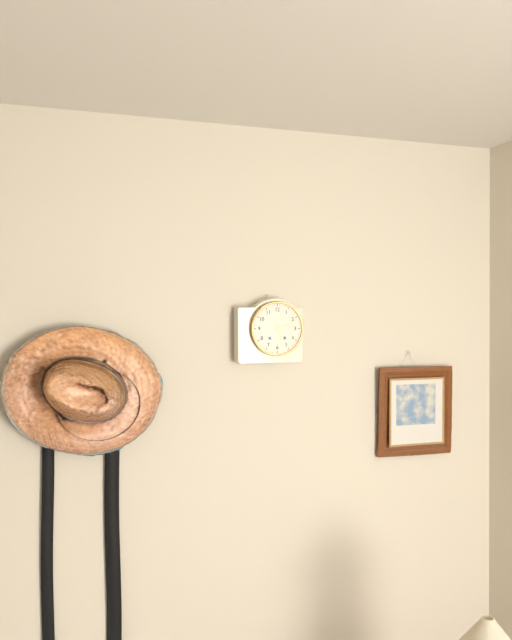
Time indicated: 5:12
